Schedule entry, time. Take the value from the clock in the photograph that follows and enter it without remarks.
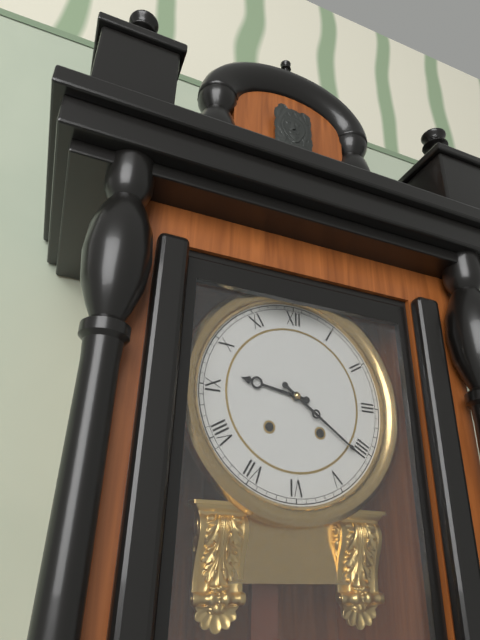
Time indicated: 9:21
